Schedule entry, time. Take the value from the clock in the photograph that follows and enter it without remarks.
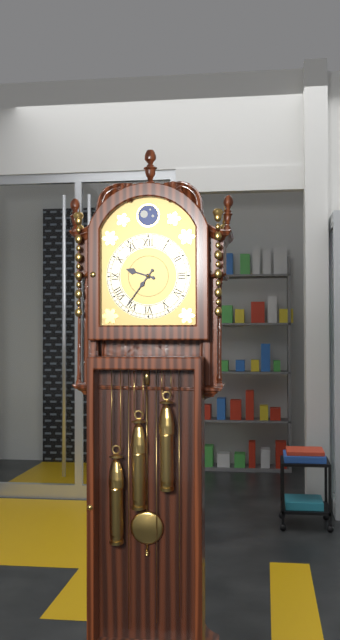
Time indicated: 9:36
